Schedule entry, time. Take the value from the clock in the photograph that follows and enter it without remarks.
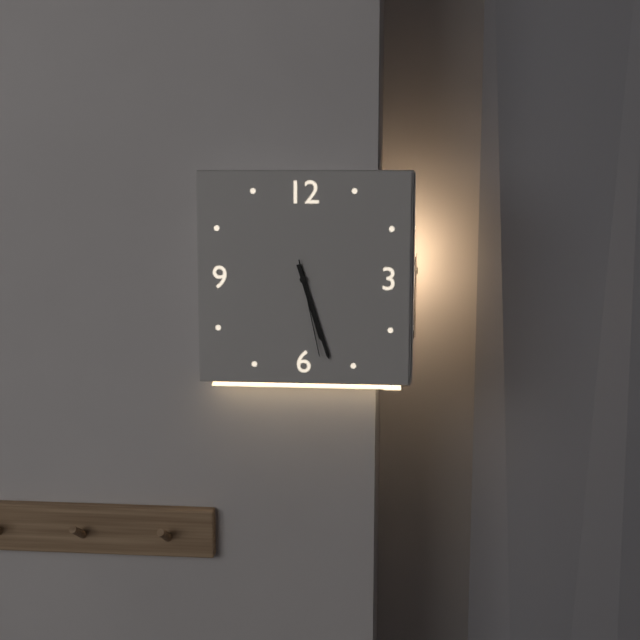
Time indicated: 5:27:28
